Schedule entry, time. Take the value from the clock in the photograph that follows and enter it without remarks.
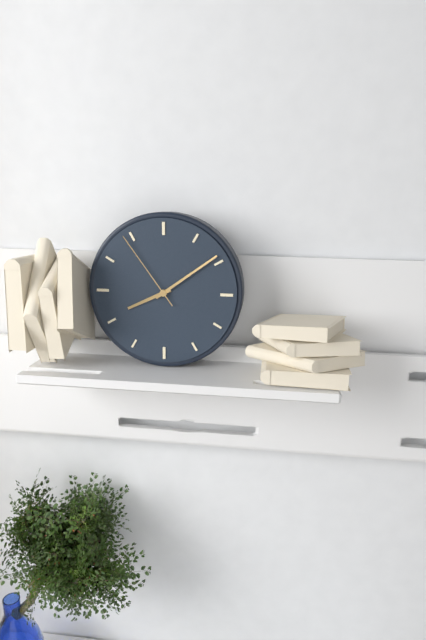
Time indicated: 8:09:54
